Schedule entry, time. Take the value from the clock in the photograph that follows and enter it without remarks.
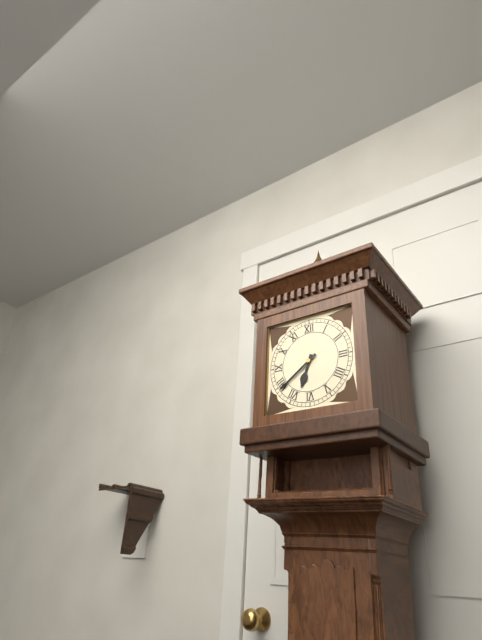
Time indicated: 6:39
